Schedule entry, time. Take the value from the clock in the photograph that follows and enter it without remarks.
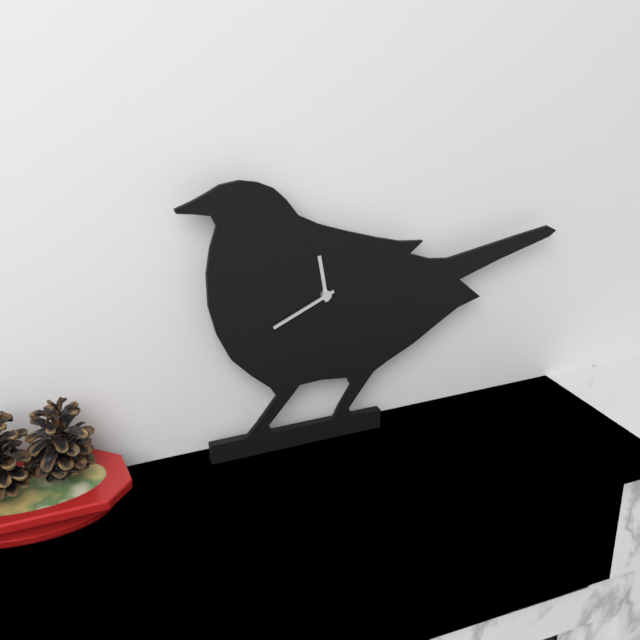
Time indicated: 11:41
